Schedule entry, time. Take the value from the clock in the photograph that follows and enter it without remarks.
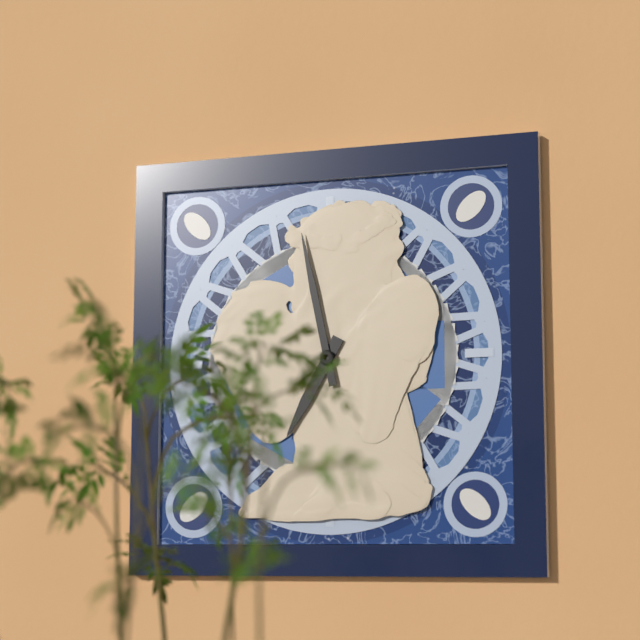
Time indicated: 6:58
